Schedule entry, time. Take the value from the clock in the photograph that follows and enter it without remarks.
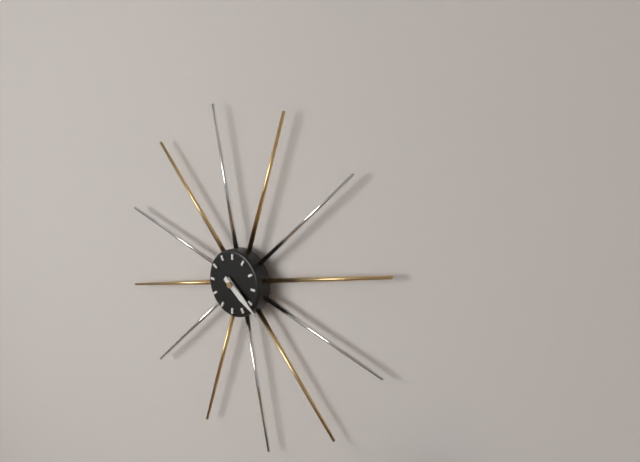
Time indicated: 4:21
